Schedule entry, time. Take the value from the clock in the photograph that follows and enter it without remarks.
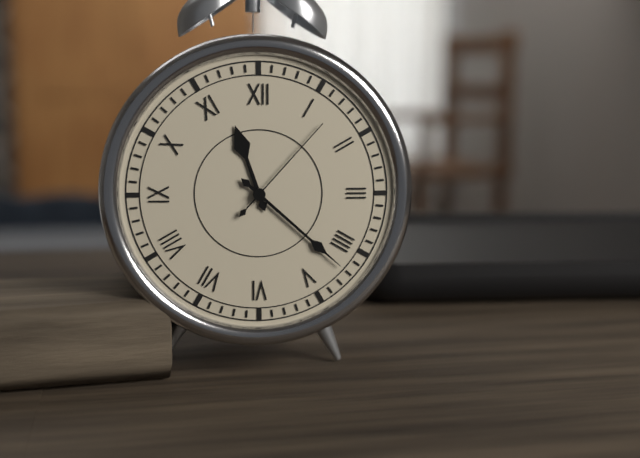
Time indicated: 11:22:07
